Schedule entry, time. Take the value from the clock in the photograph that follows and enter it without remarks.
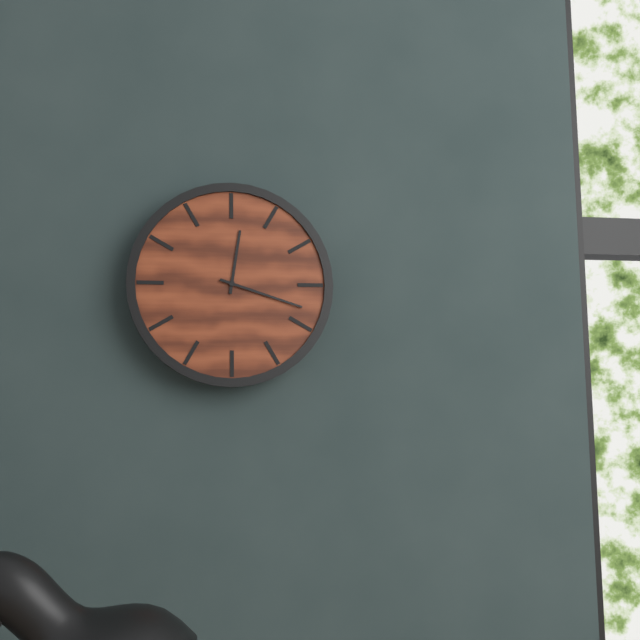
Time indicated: 12:18
